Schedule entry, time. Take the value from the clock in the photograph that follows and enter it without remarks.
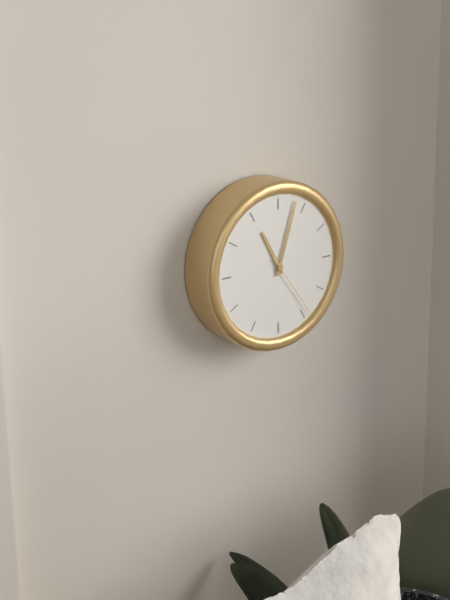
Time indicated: 11:03:24
